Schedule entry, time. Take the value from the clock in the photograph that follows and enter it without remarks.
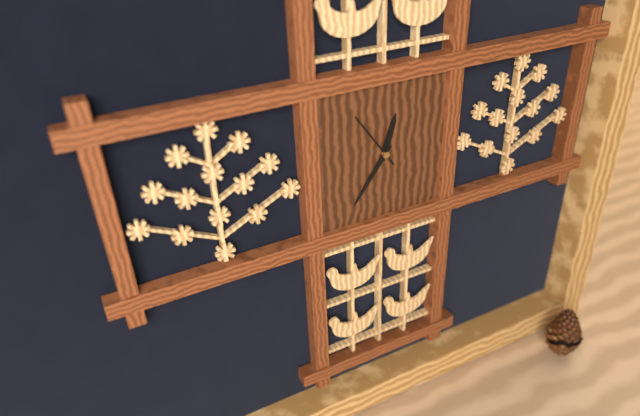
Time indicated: 12:36
